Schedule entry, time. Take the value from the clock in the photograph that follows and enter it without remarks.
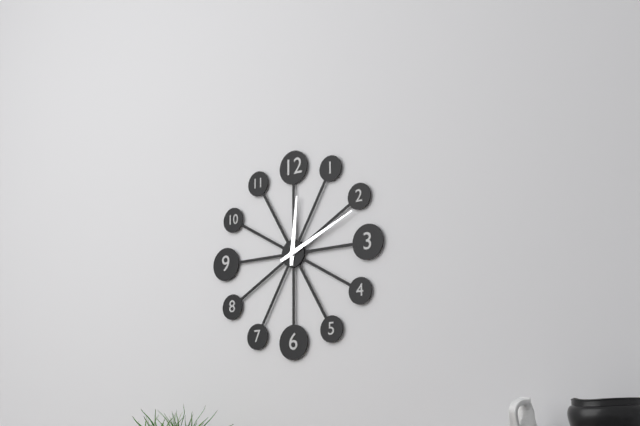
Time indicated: 12:11
